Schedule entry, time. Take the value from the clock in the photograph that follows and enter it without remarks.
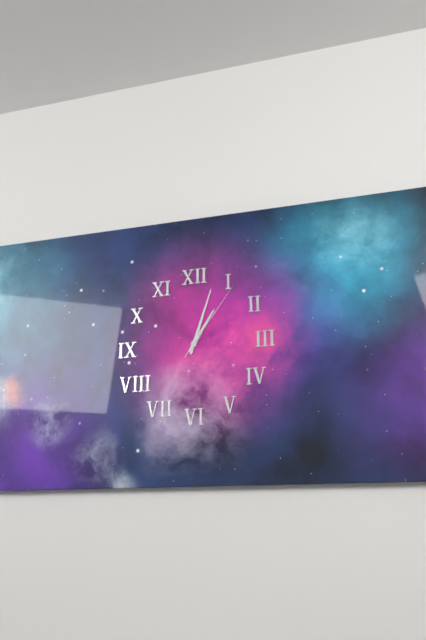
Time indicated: 1:03:06
